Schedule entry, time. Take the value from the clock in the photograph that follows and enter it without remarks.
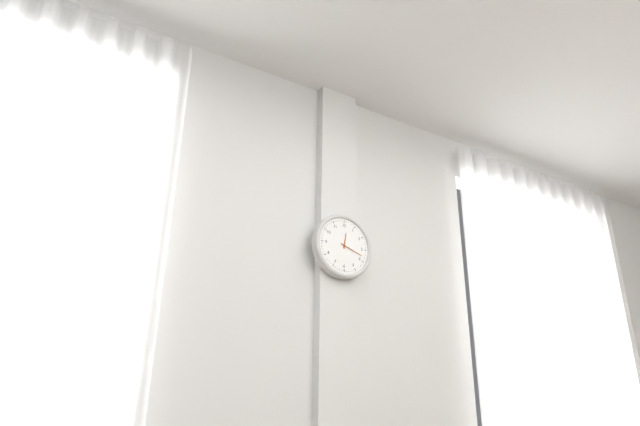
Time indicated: 12:18
